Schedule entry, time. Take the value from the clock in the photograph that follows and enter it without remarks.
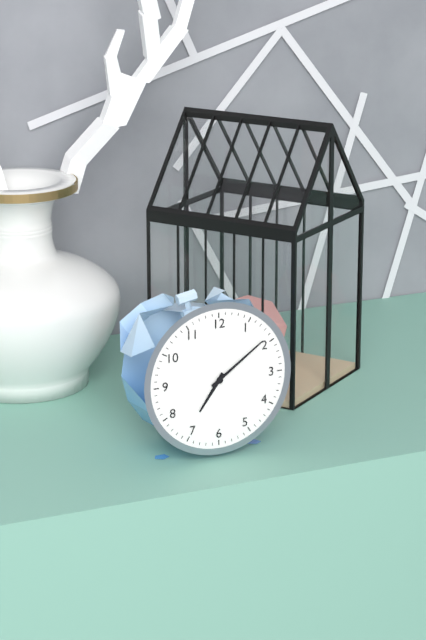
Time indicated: 7:09
